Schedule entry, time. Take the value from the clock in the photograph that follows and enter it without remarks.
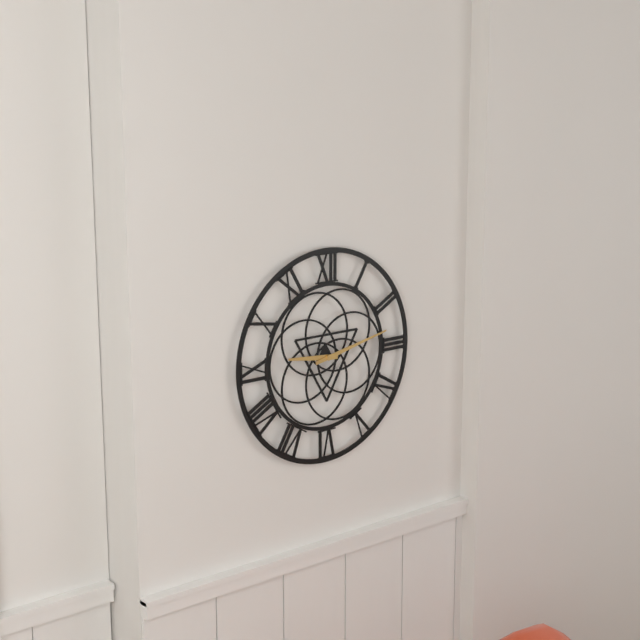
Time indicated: 9:13
